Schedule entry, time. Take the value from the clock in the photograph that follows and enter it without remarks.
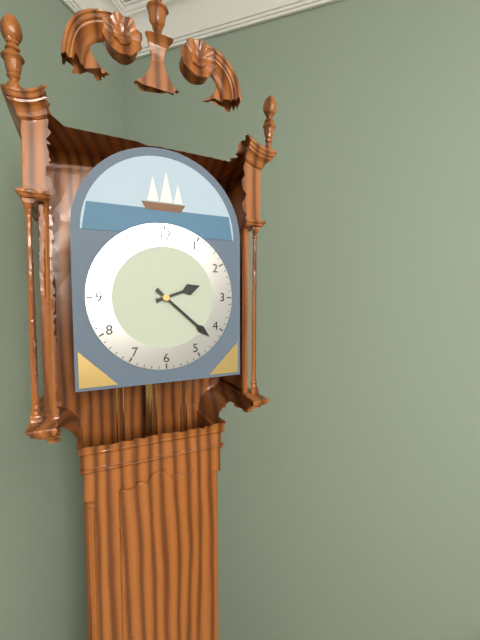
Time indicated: 2:22
